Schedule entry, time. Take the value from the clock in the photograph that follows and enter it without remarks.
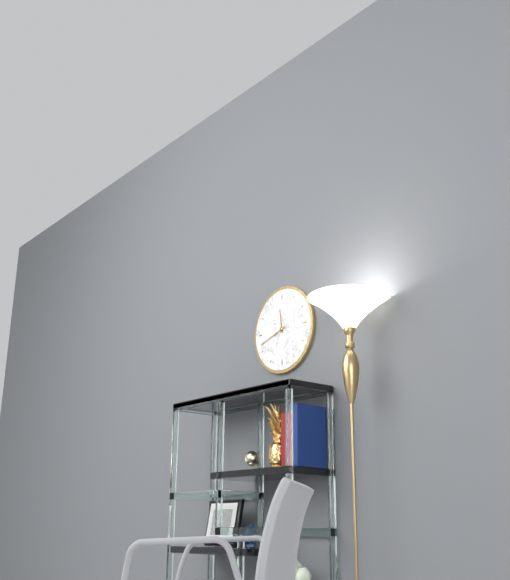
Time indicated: 11:42
